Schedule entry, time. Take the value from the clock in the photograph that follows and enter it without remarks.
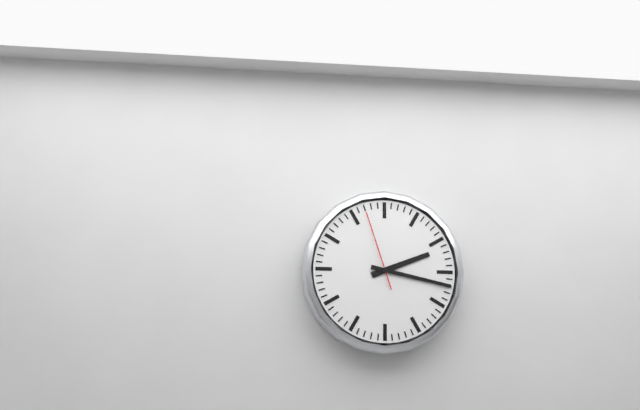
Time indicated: 2:17:57
